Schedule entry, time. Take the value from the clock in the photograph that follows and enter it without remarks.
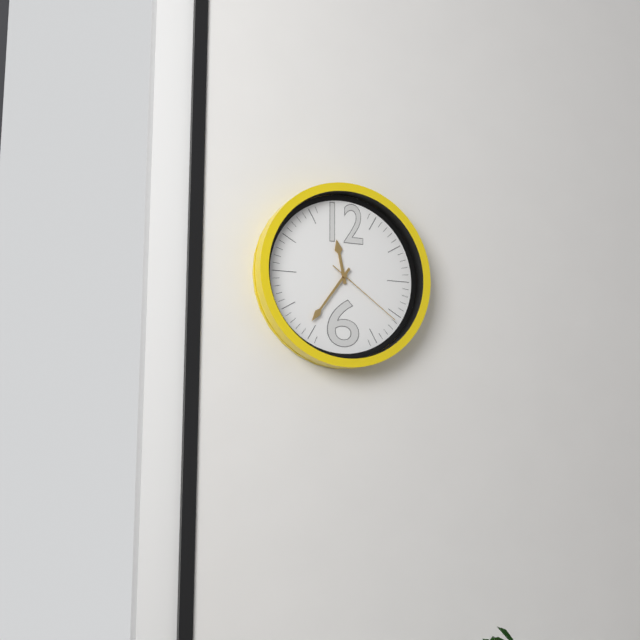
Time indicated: 11:36:21
